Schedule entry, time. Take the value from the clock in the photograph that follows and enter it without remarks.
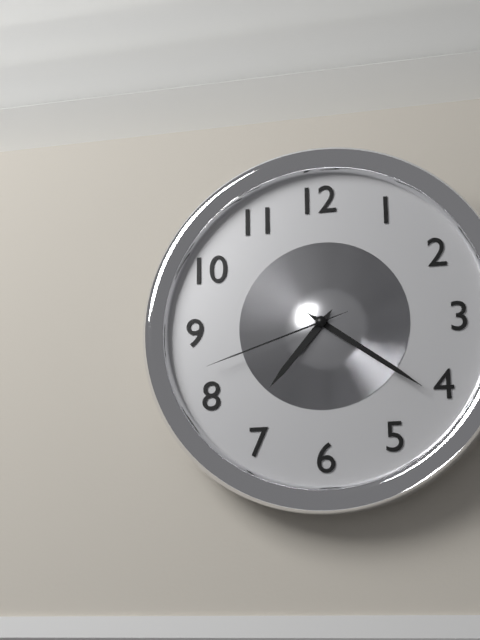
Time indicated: 7:21:42
